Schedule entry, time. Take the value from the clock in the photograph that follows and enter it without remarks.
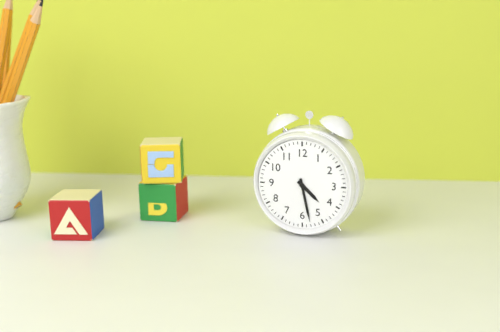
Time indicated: 4:28
